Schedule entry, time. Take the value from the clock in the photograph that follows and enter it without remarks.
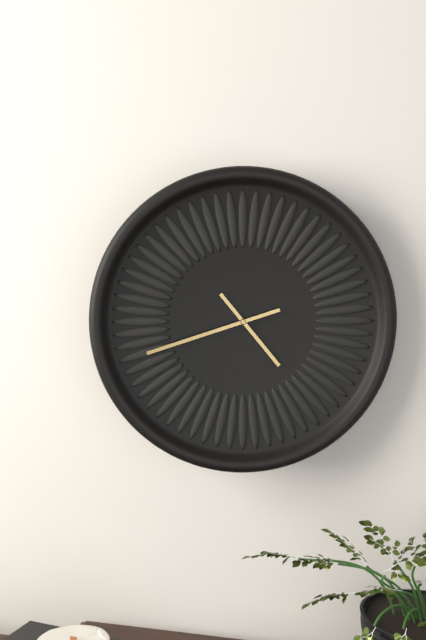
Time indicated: 4:42
